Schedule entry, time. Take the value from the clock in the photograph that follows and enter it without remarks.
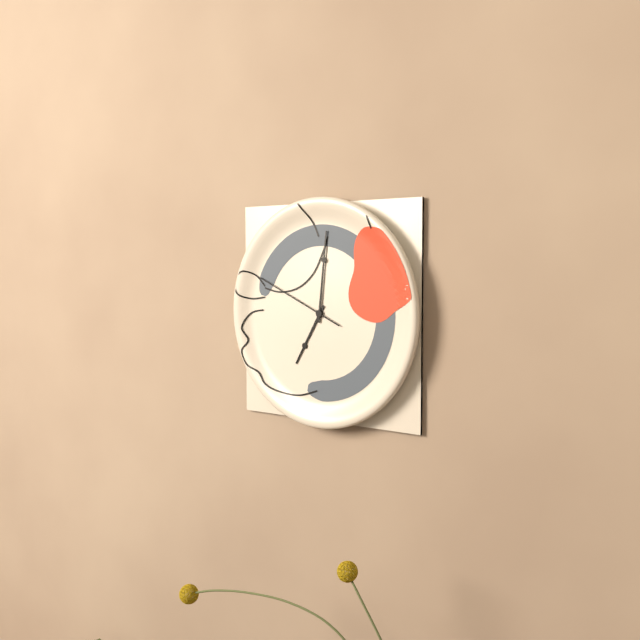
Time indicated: 7:01:49
